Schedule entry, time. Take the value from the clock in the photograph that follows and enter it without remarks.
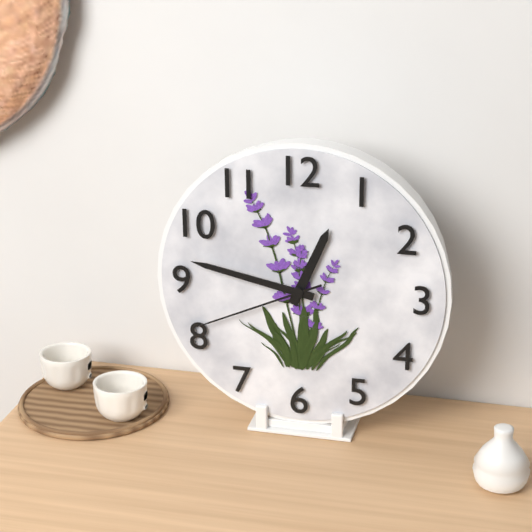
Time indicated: 12:47:41
